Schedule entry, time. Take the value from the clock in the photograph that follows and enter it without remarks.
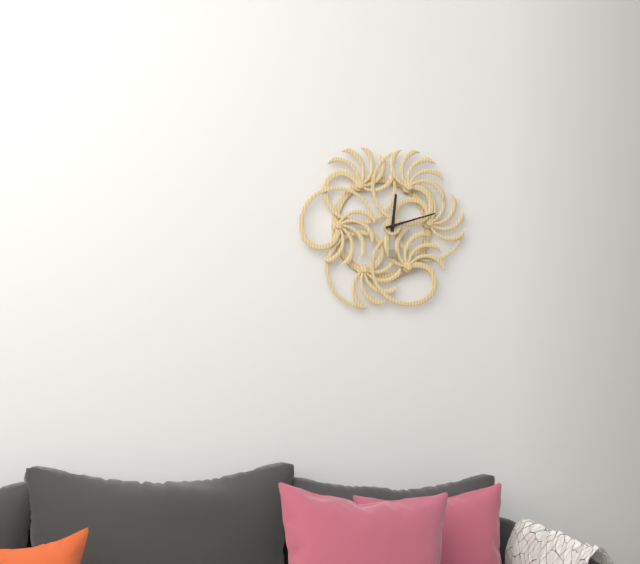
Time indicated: 12:12
